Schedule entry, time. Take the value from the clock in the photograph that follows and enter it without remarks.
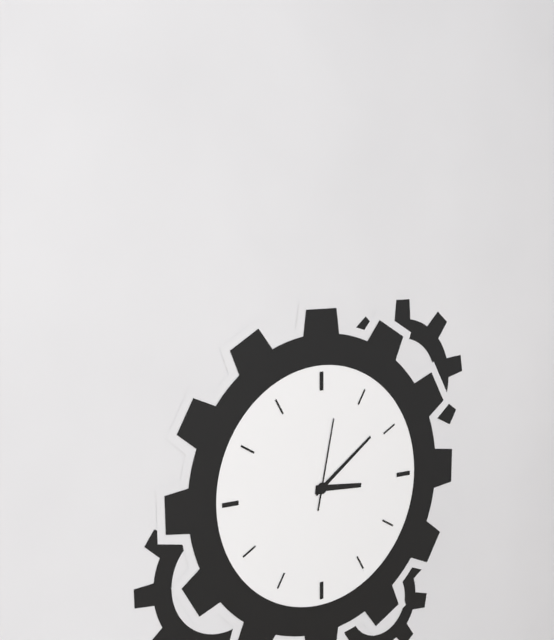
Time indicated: 3:09:02
